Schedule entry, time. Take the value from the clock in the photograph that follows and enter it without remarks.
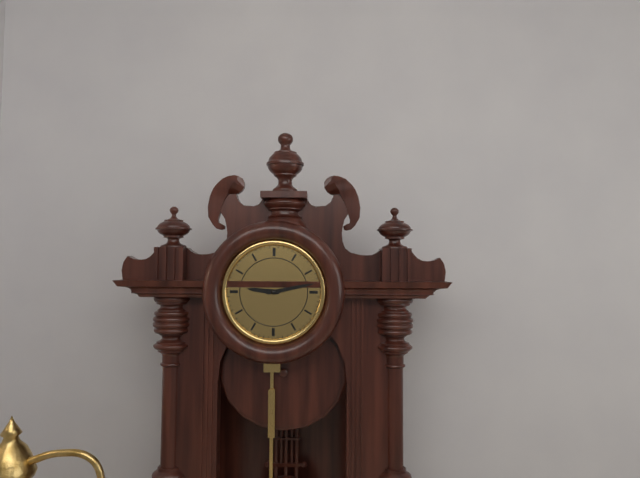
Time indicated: 9:13
